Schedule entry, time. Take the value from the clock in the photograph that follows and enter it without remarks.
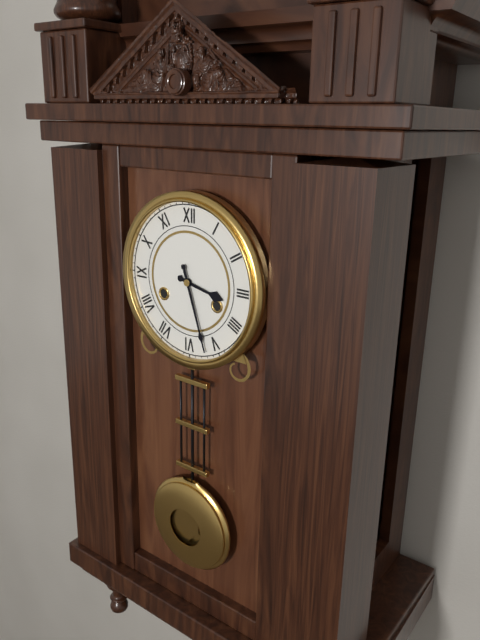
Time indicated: 3:27
